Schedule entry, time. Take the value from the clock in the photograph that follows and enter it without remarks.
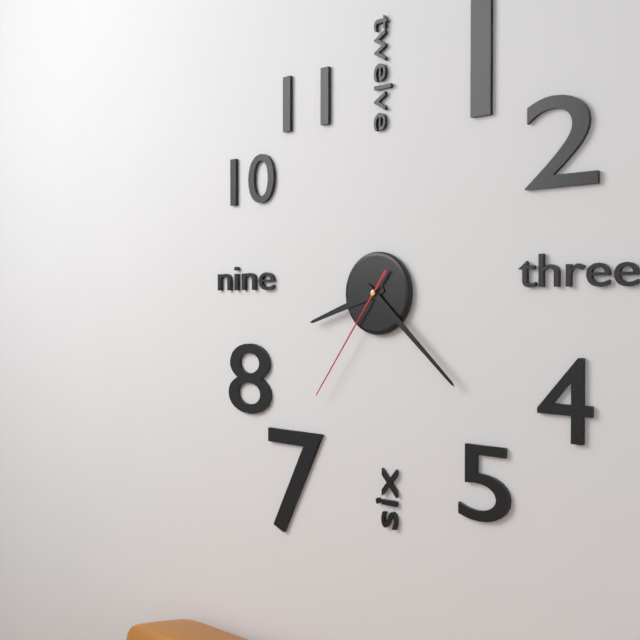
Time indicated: 8:22:36
